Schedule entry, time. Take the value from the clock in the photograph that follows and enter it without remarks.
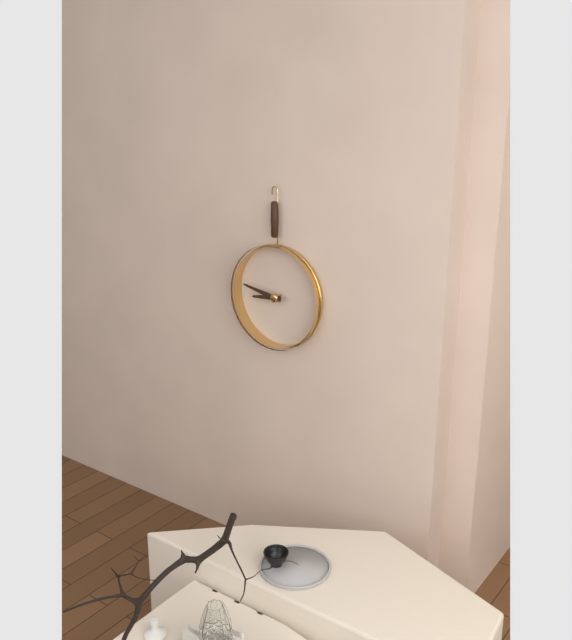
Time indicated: 8:47
